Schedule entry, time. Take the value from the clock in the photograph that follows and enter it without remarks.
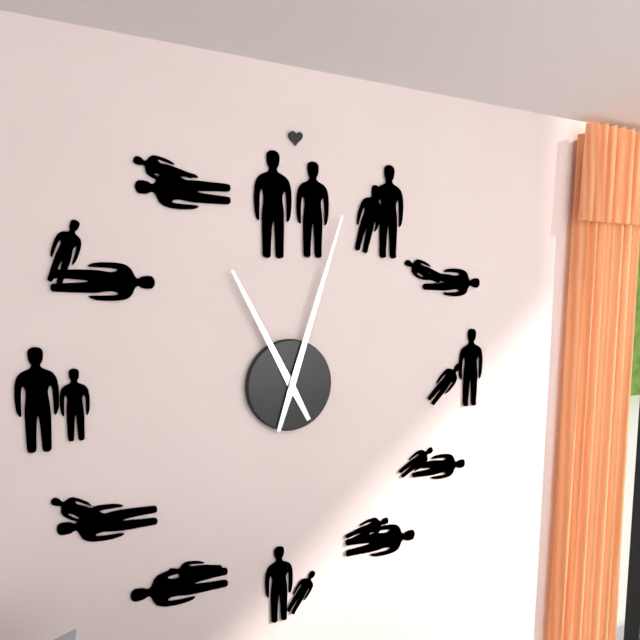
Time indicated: 11:03
